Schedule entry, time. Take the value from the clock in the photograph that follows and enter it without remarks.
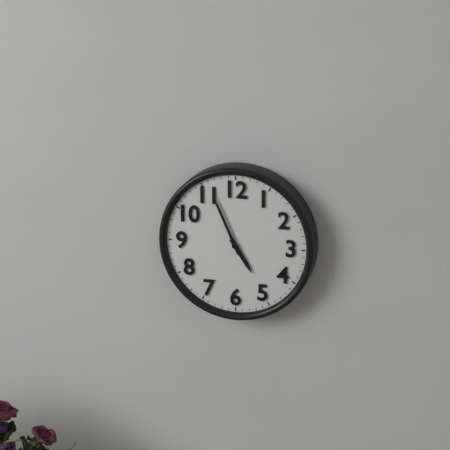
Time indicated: 4:56
